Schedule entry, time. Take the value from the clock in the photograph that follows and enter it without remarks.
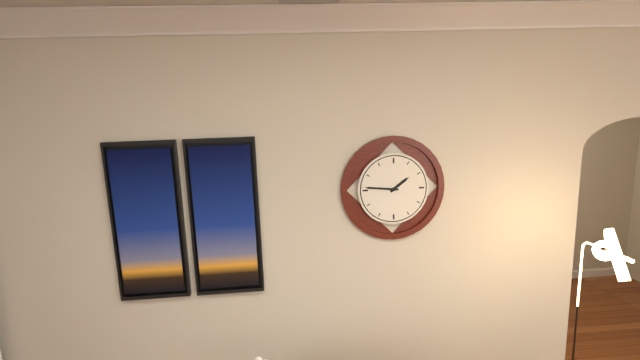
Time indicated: 1:46
